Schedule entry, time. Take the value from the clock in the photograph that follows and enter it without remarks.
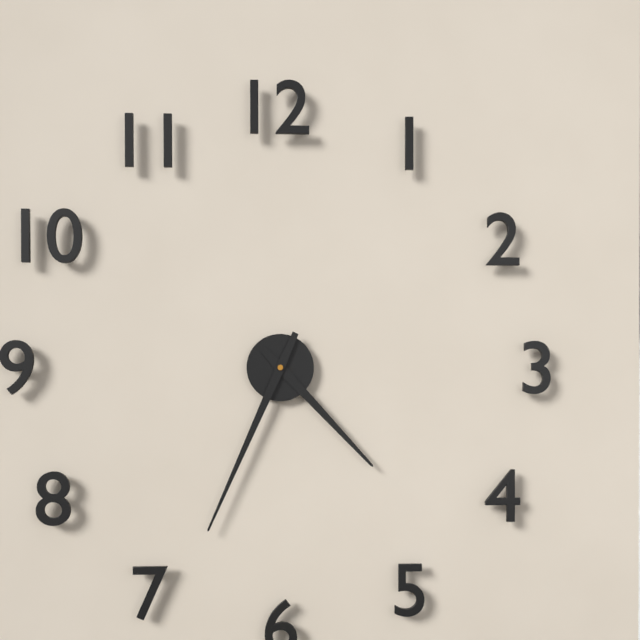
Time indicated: 4:34
